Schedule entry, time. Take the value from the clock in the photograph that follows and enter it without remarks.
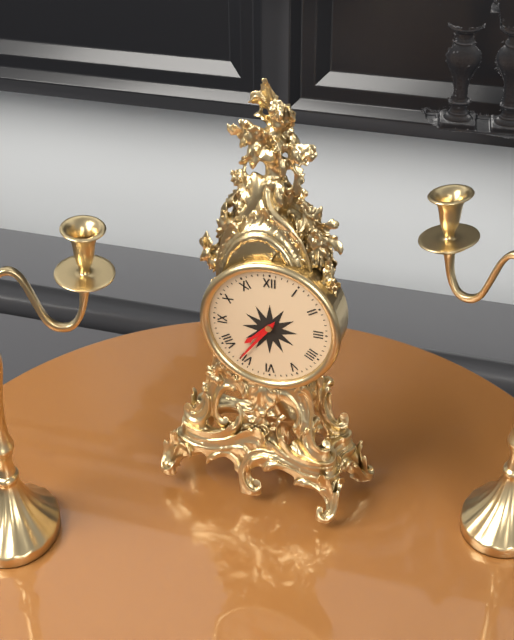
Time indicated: 7:36
